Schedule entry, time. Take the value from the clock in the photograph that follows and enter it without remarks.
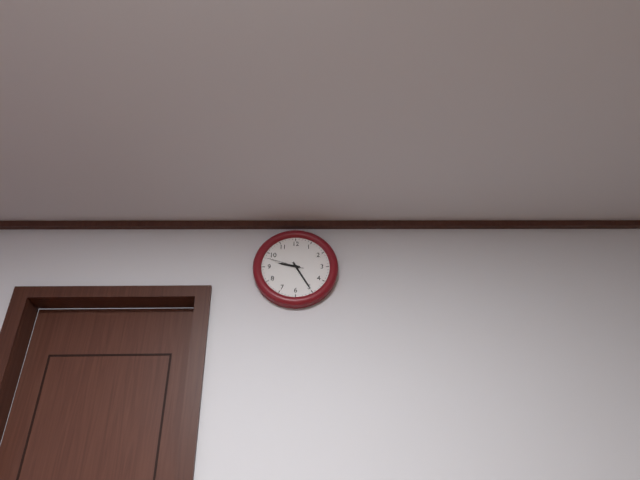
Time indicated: 9:25
